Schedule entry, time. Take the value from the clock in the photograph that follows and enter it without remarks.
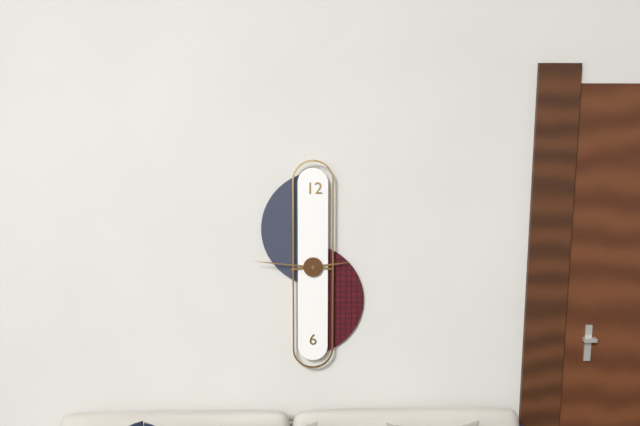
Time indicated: 2:46
